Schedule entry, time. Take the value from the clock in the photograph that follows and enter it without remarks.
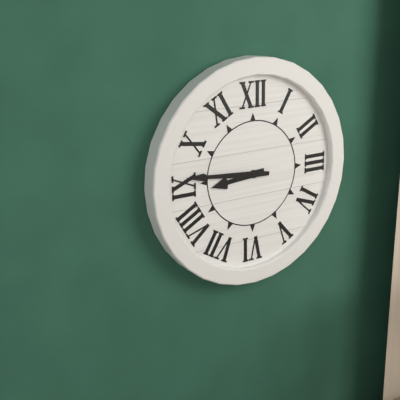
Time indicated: 8:46
